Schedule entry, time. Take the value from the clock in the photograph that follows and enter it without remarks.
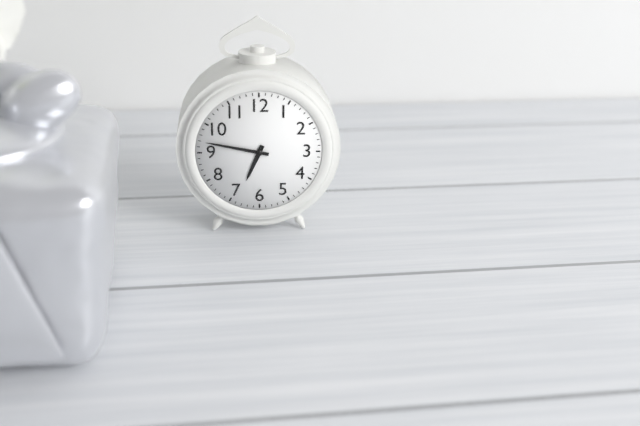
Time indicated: 6:47
